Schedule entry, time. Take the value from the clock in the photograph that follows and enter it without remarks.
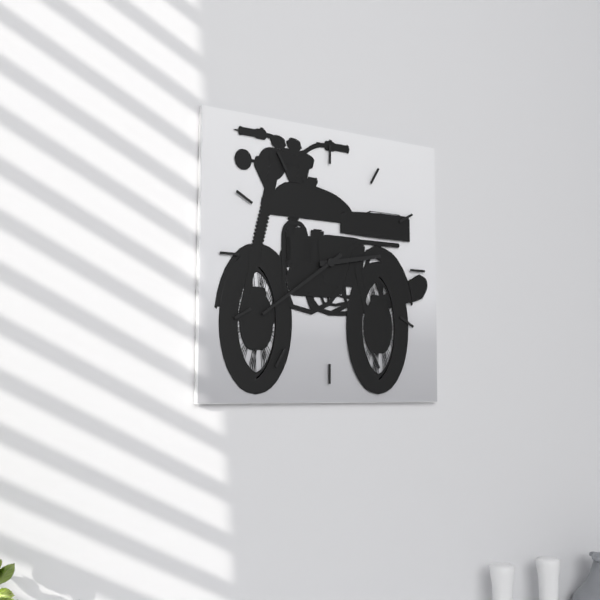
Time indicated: 2:39
